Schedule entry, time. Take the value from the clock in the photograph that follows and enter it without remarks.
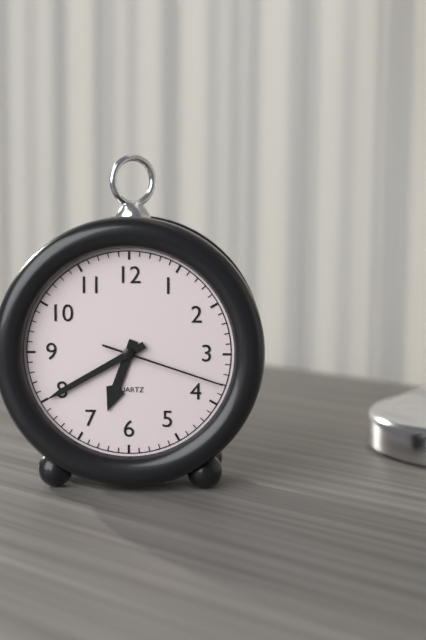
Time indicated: 6:40:18
